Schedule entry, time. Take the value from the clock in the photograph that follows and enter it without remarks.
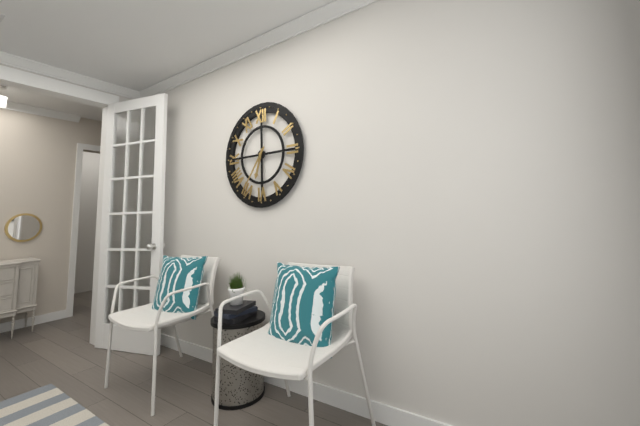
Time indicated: 6:36
